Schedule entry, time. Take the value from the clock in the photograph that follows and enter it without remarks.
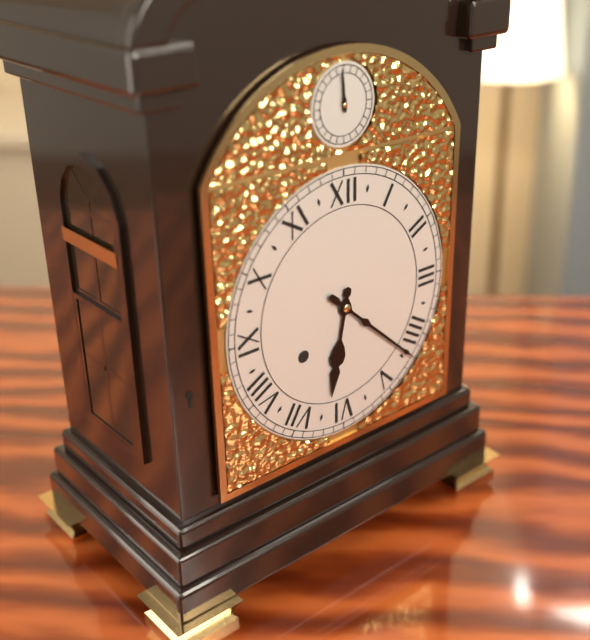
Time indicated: 6:22
